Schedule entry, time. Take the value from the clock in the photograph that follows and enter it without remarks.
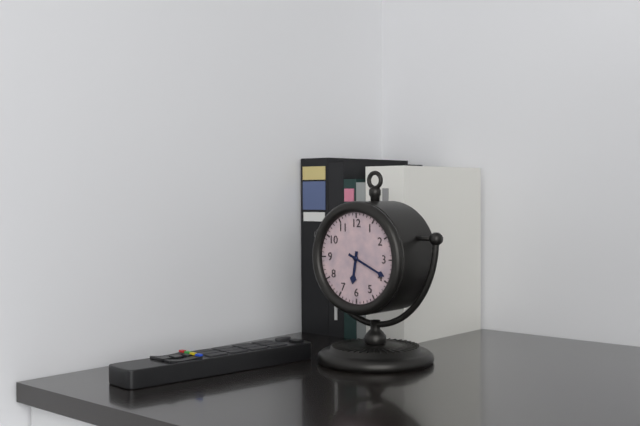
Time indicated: 6:19
